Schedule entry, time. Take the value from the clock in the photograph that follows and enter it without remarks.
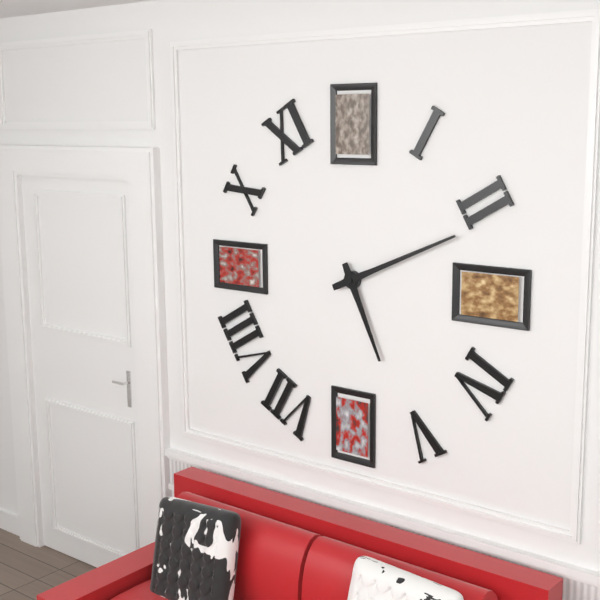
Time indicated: 5:11
